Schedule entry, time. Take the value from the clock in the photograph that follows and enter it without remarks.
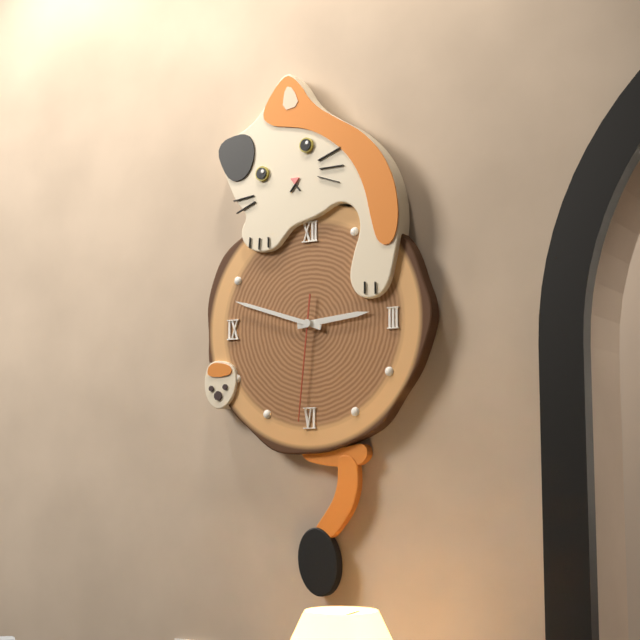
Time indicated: 2:48:31
